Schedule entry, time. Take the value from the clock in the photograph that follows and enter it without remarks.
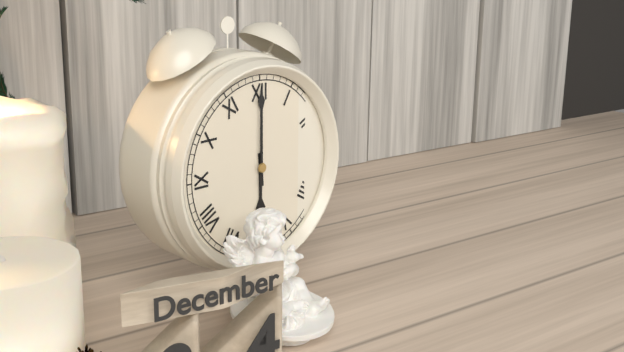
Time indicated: 6:00
